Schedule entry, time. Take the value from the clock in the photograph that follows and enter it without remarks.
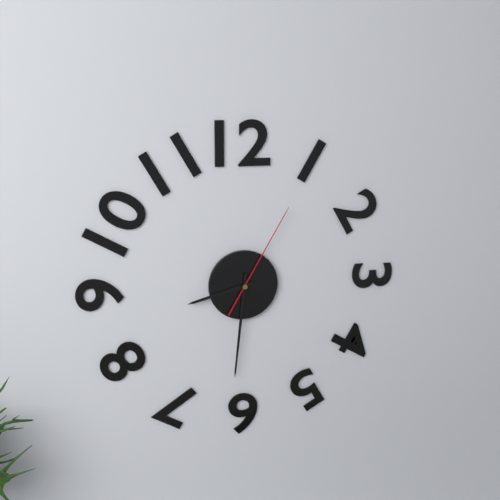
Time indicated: 8:31:05
